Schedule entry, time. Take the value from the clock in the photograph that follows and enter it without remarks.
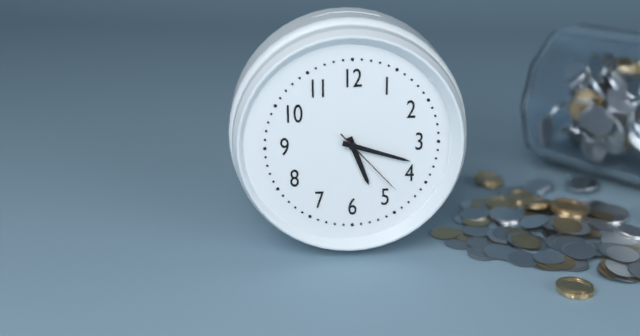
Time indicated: 5:18:23
